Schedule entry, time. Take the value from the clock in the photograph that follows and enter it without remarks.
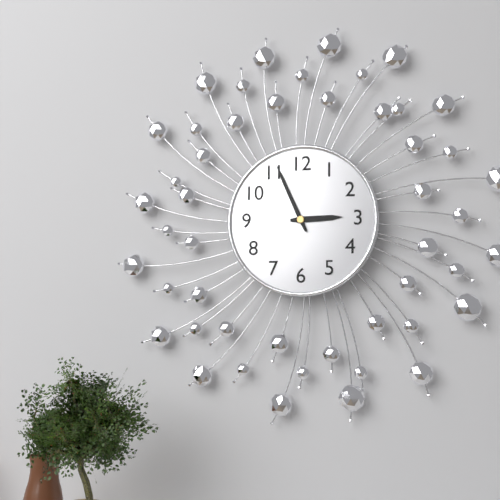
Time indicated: 2:56
